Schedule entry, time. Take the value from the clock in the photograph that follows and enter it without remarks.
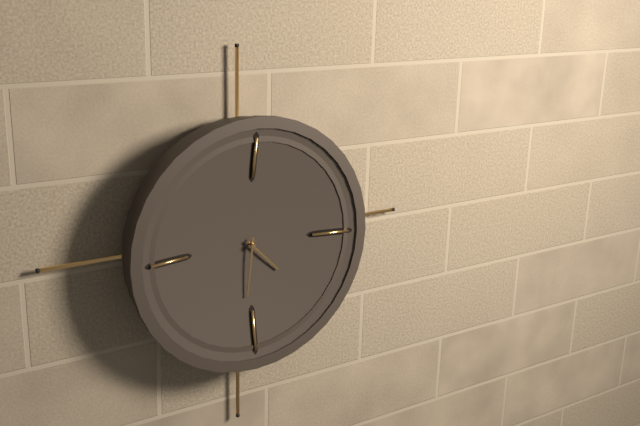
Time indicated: 4:31
